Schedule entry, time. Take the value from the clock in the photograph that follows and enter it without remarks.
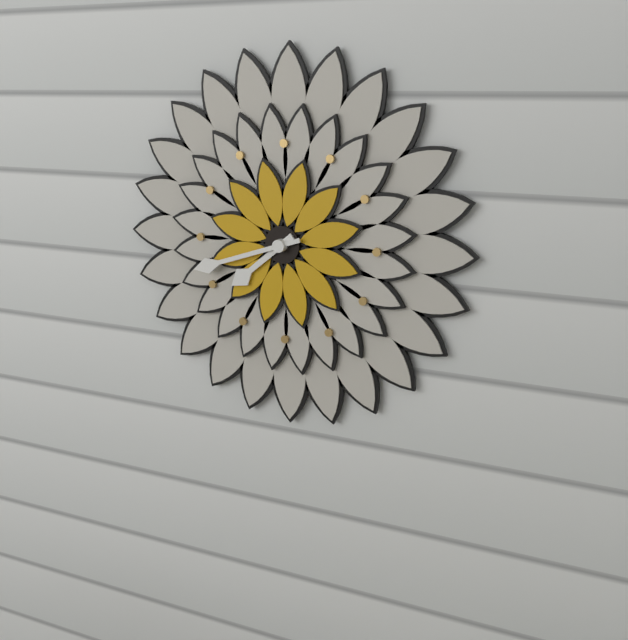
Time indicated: 7:42
